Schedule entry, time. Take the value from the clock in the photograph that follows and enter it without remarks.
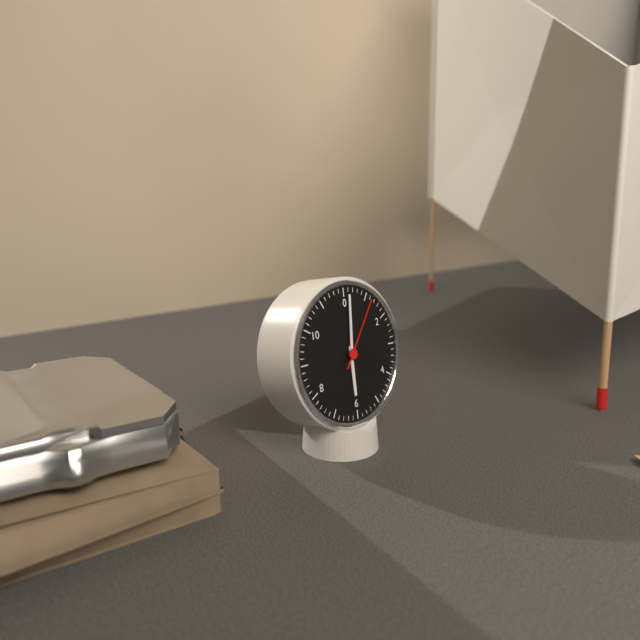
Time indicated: 6:01:06
